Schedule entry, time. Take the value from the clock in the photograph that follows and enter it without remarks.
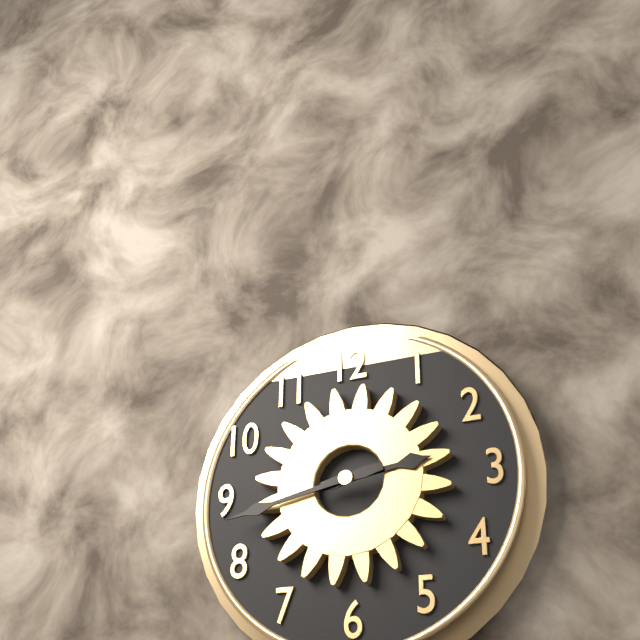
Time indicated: 2:43
